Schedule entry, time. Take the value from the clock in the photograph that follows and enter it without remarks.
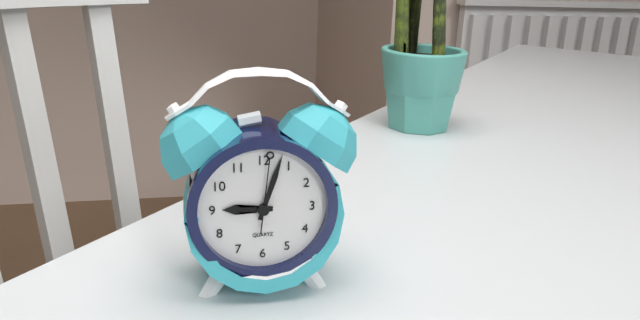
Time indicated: 9:03:01
